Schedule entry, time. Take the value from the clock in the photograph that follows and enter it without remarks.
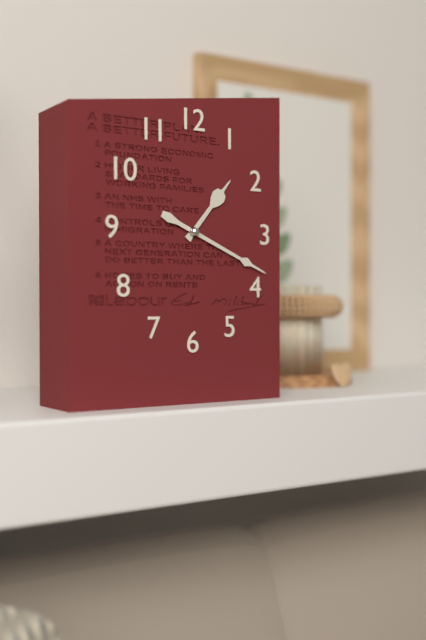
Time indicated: 1:19
